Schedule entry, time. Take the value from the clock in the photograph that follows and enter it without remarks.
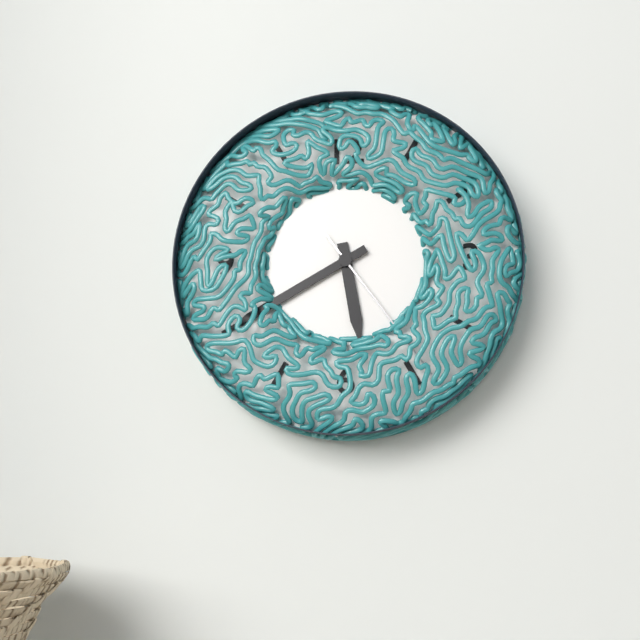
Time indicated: 5:40:24
